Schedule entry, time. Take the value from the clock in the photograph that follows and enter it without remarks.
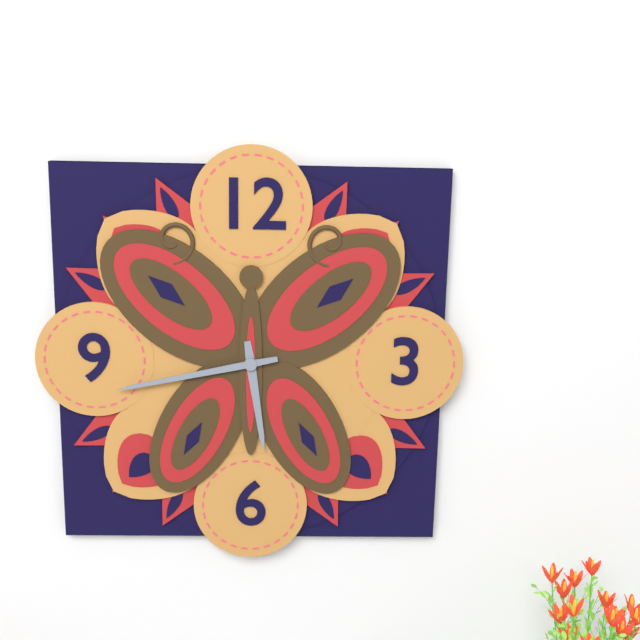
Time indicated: 5:43
